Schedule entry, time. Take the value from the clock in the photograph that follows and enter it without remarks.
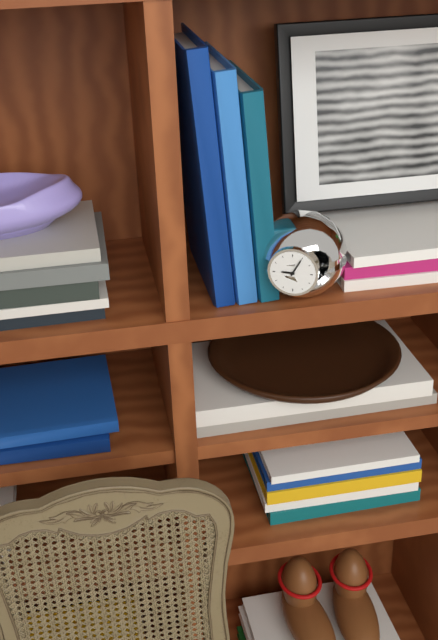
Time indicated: 9:05
